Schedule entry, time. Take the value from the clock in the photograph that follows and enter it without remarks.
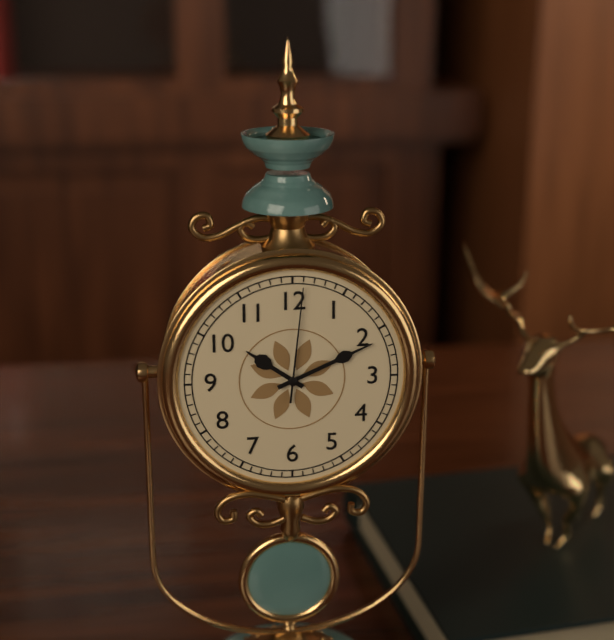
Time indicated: 10:11:01
